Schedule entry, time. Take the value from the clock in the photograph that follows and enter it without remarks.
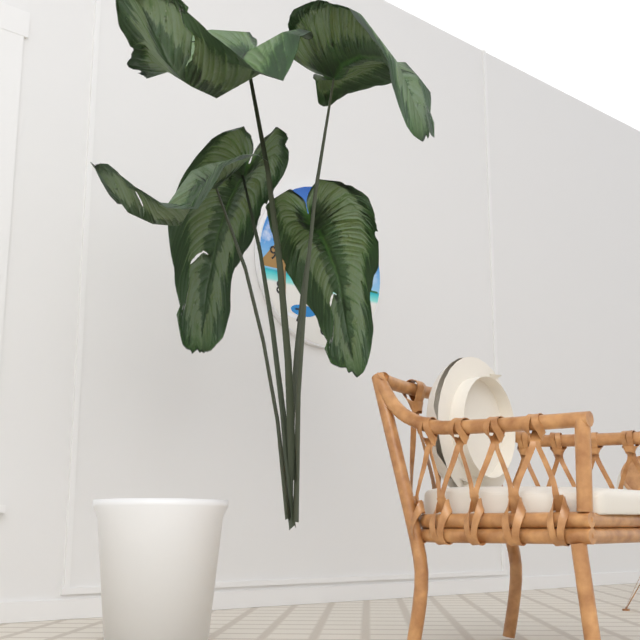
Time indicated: 6:08:02
